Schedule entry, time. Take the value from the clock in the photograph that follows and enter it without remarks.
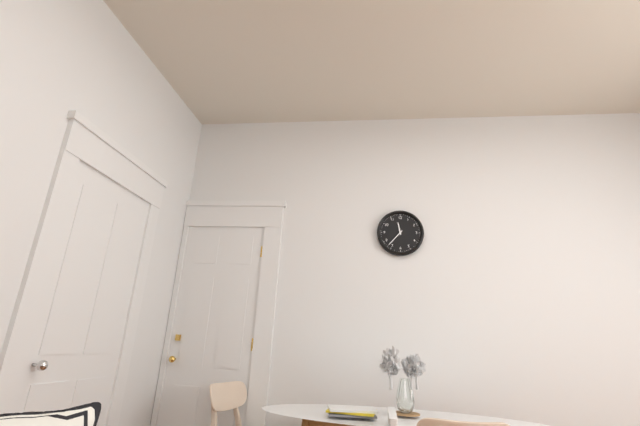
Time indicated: 11:37
